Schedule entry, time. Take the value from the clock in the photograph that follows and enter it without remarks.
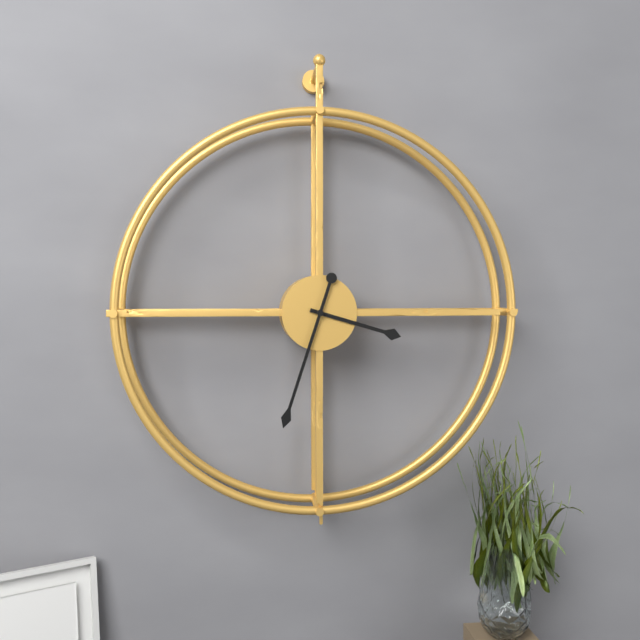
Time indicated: 3:33
